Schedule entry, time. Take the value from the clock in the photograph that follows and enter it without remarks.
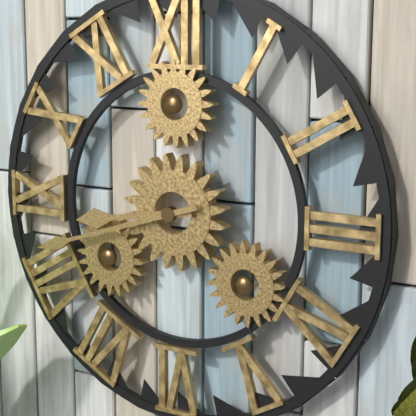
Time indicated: 8:42
